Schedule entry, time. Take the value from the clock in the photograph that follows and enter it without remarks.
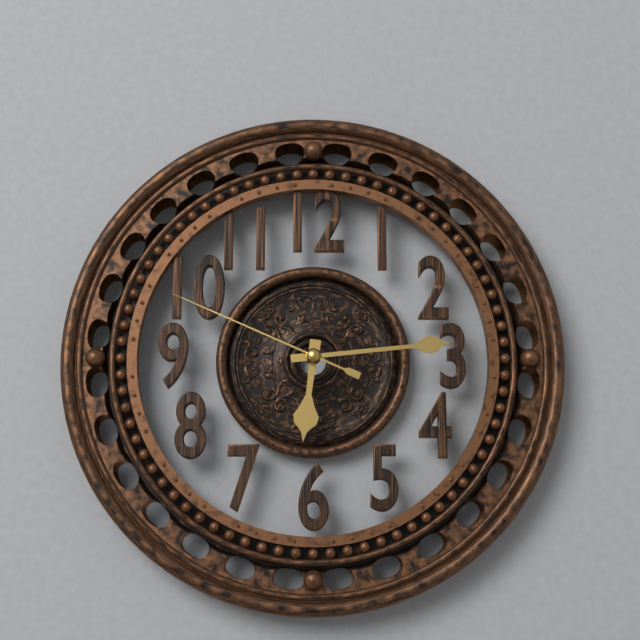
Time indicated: 6:14:49
